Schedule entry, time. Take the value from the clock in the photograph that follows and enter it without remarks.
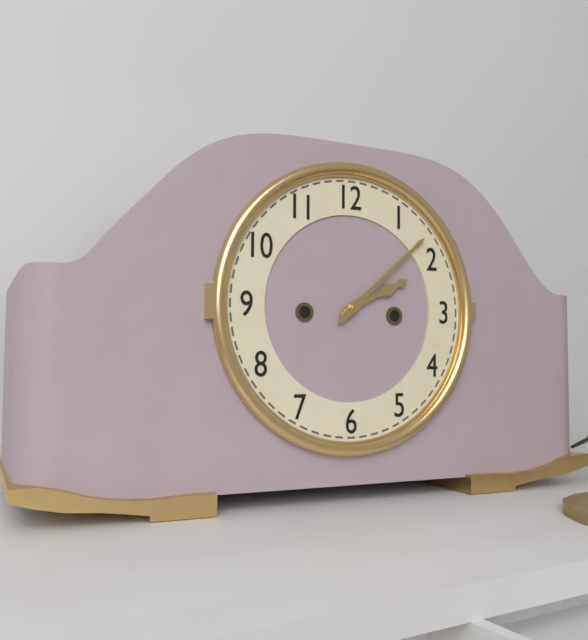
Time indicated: 2:08
